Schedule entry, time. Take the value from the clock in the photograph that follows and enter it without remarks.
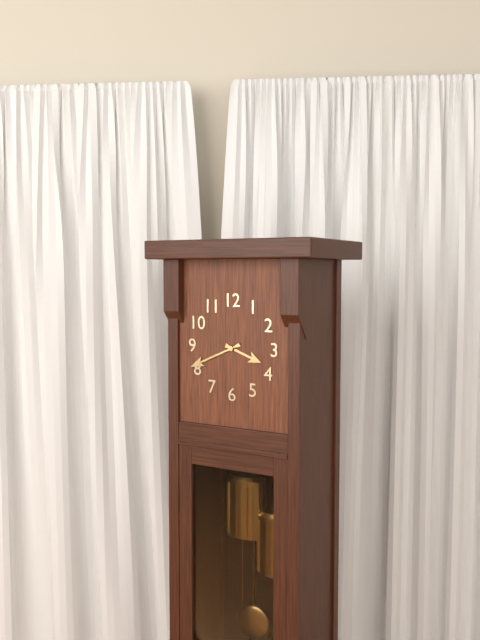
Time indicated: 3:41
